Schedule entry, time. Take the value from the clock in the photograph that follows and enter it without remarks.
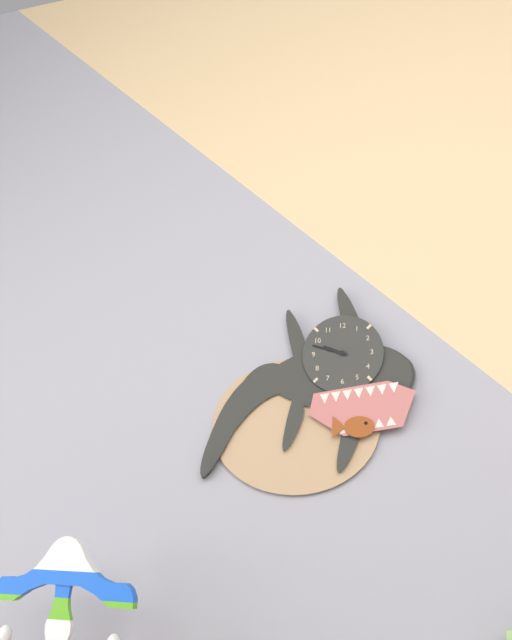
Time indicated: 9:48
